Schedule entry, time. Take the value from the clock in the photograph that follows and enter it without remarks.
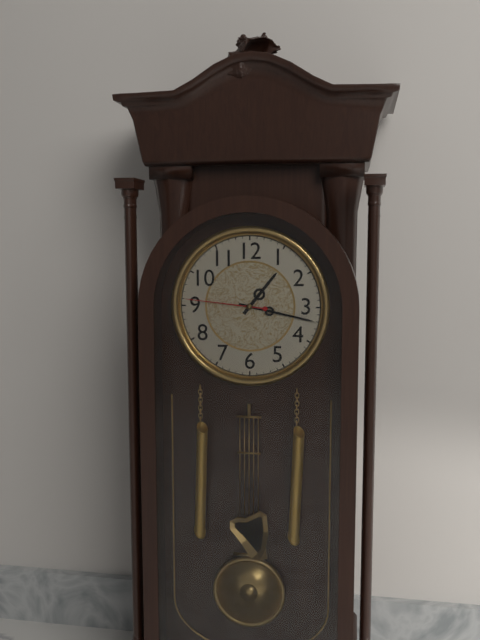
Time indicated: 1:17:46
